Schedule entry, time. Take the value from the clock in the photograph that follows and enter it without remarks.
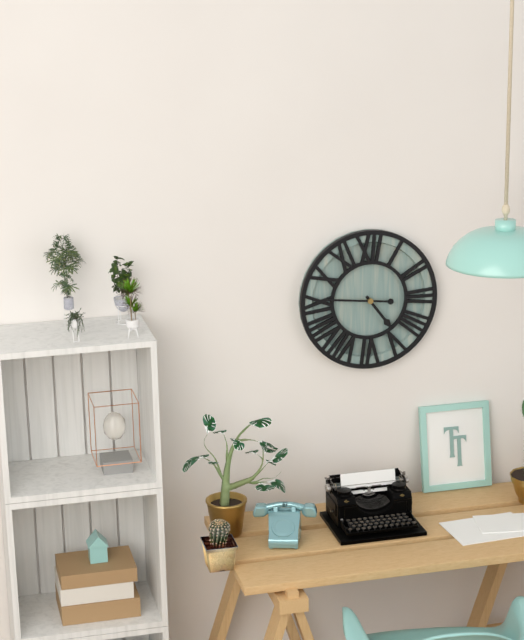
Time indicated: 4:46
